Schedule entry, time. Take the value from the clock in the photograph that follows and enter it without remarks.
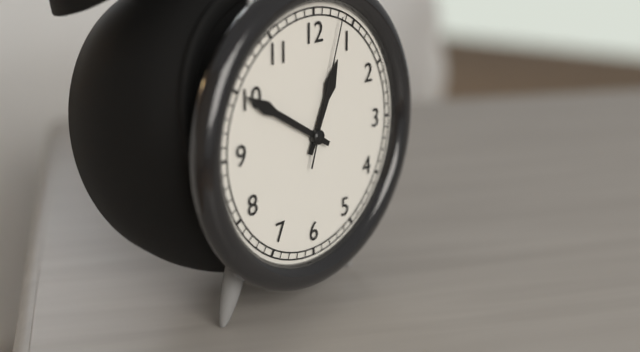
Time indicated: 12:50:03
